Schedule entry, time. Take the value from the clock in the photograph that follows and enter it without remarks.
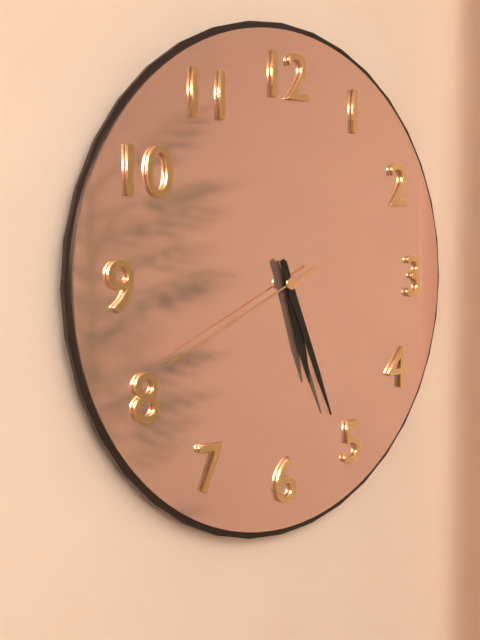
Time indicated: 5:26:41
